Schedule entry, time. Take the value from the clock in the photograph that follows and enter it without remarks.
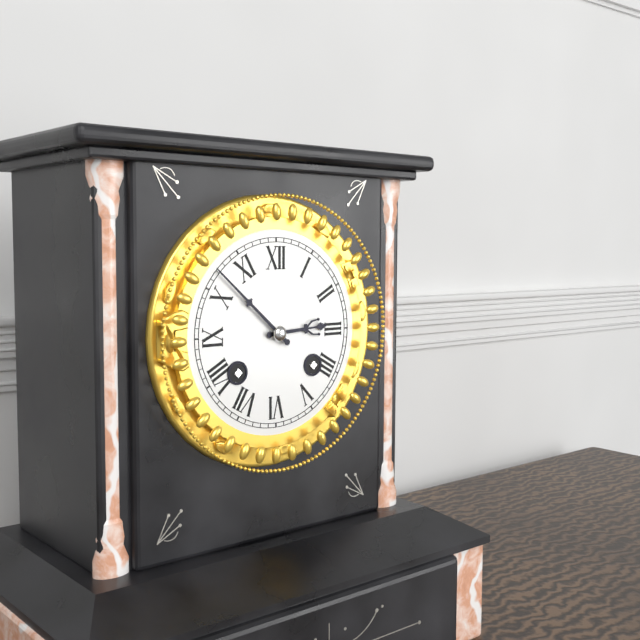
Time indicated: 2:52
